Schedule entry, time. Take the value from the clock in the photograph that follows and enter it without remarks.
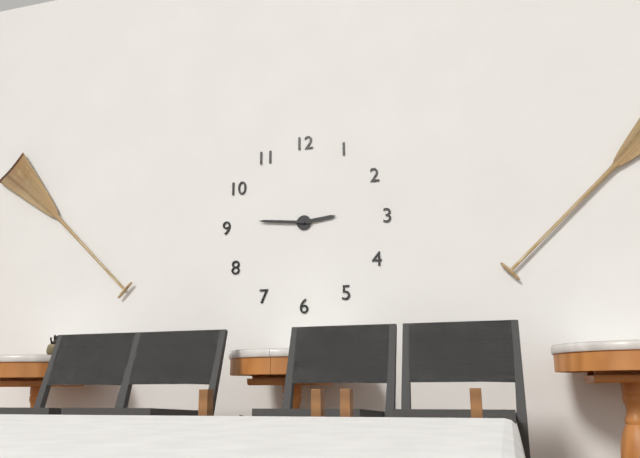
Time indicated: 2:46
